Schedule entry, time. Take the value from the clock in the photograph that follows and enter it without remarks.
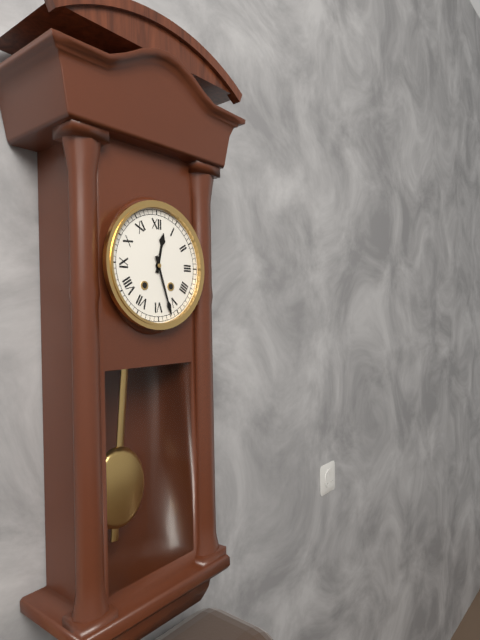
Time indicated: 12:27
